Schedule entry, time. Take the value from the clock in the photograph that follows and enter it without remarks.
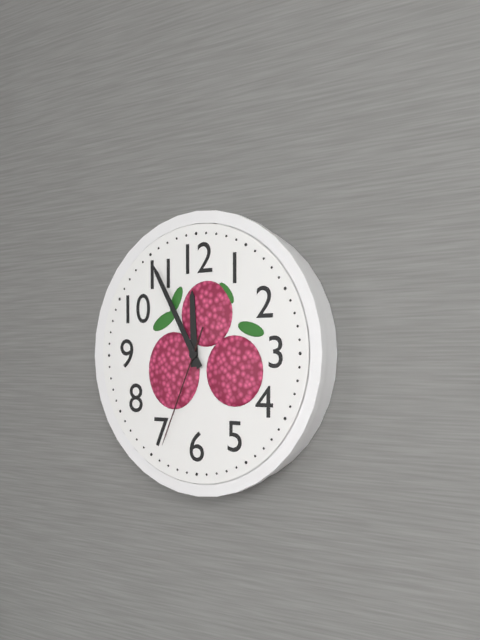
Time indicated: 11:55:34
